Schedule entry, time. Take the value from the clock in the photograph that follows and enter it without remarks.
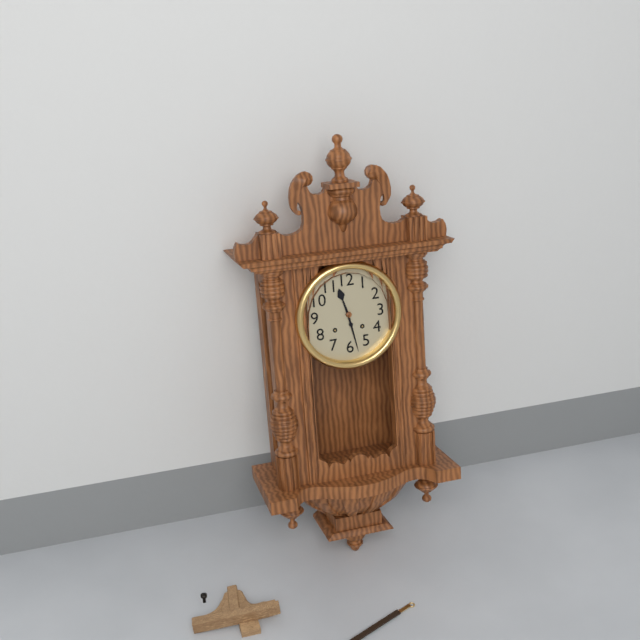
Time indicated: 11:28
